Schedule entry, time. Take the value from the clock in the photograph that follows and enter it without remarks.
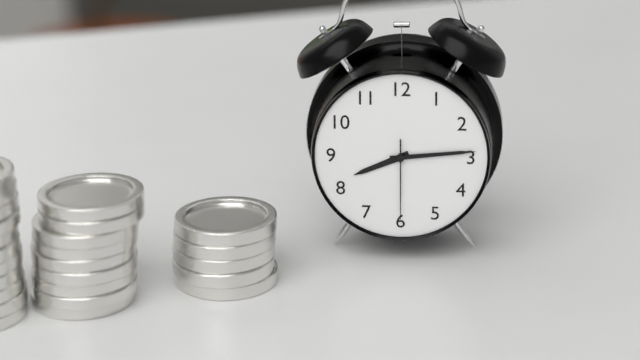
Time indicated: 8:14:30
